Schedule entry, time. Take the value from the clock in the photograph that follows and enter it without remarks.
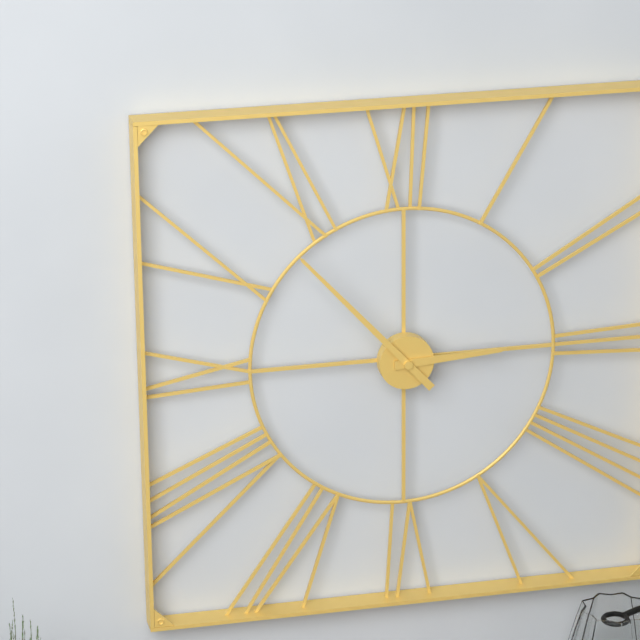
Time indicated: 2:53
